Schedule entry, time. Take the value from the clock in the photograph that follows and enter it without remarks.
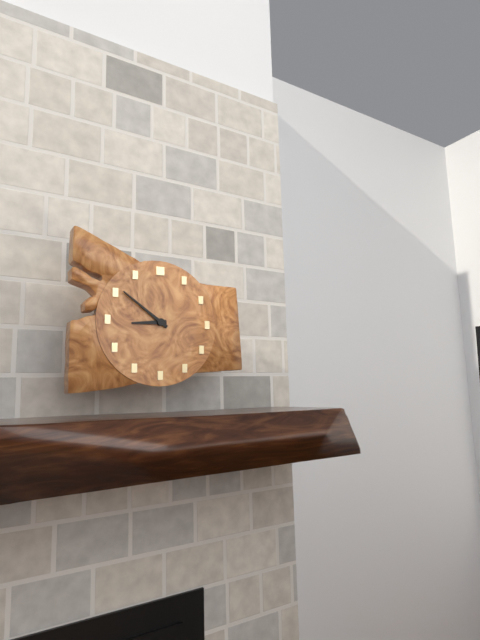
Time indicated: 8:51
